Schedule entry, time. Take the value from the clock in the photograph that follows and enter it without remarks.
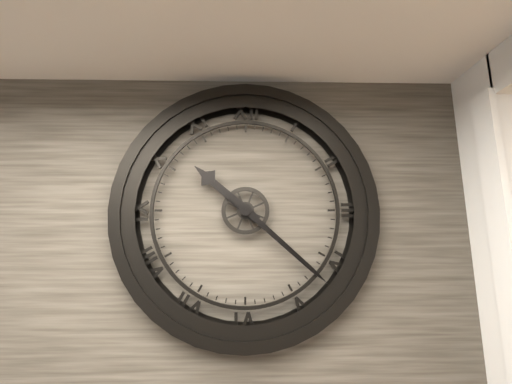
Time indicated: 10:22
